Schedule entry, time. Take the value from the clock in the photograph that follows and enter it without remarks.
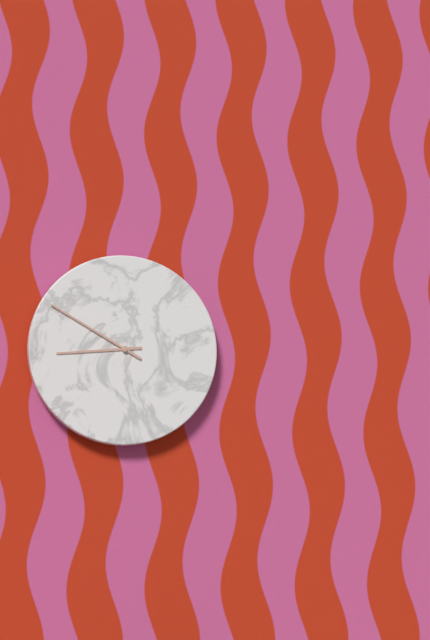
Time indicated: 8:50
